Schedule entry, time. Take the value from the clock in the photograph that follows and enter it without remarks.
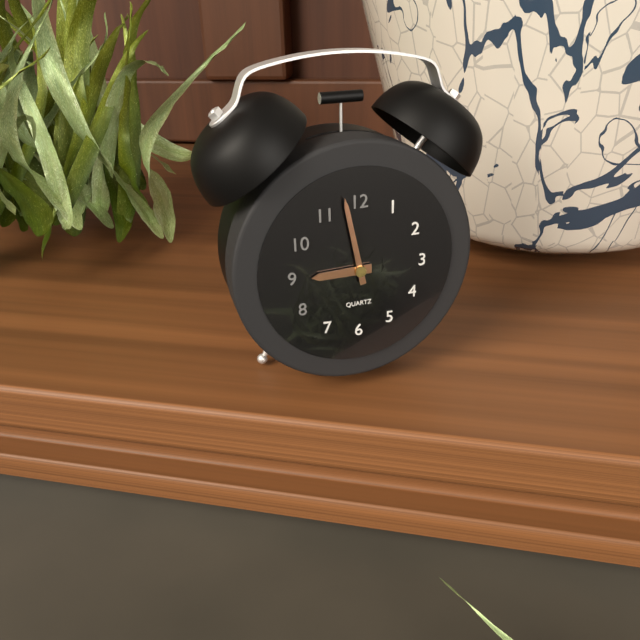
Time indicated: 8:58
